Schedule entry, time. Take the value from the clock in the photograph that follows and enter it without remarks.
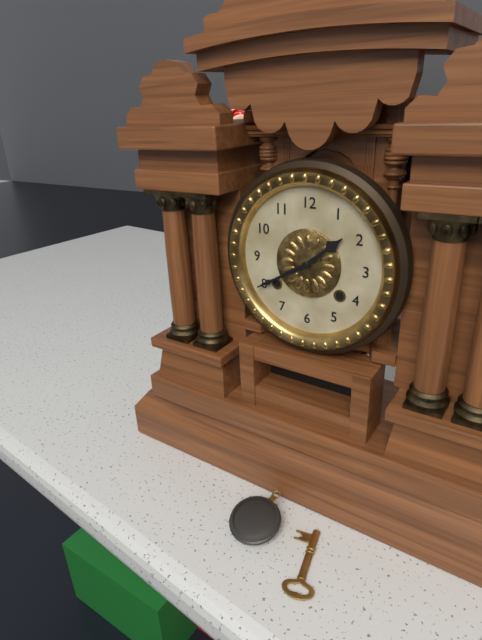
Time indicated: 1:40
